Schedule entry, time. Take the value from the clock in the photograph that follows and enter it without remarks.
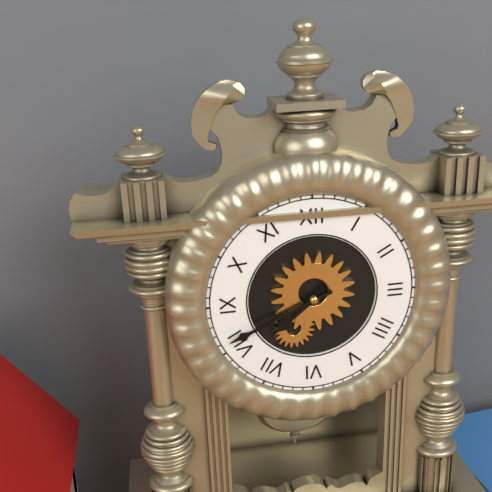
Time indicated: 7:41
